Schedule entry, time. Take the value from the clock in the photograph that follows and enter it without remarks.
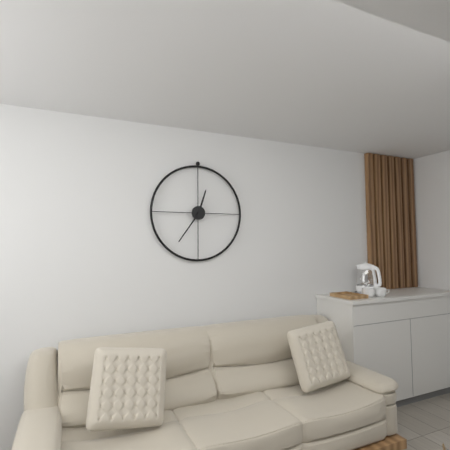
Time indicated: 12:36
